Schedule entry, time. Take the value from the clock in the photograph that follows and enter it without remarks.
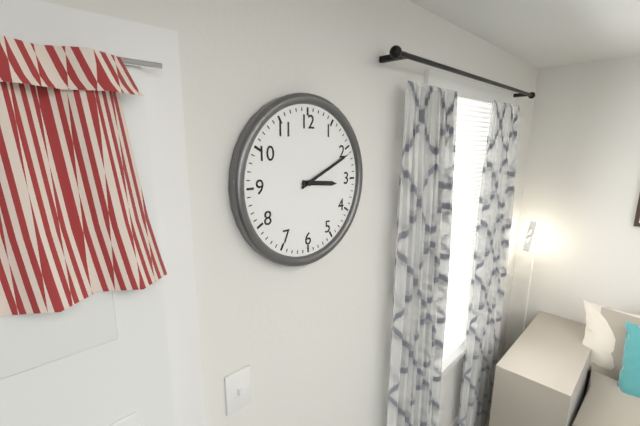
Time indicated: 3:11
